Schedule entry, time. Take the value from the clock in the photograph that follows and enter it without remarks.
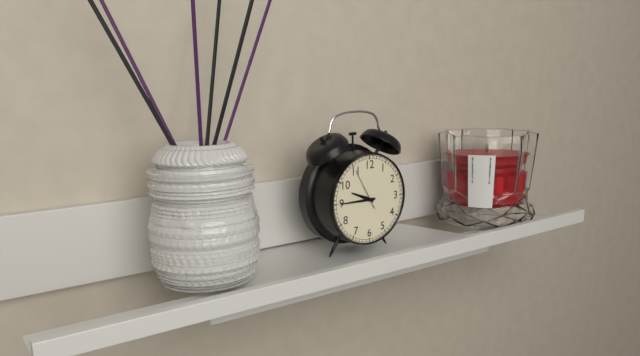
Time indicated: 9:45
